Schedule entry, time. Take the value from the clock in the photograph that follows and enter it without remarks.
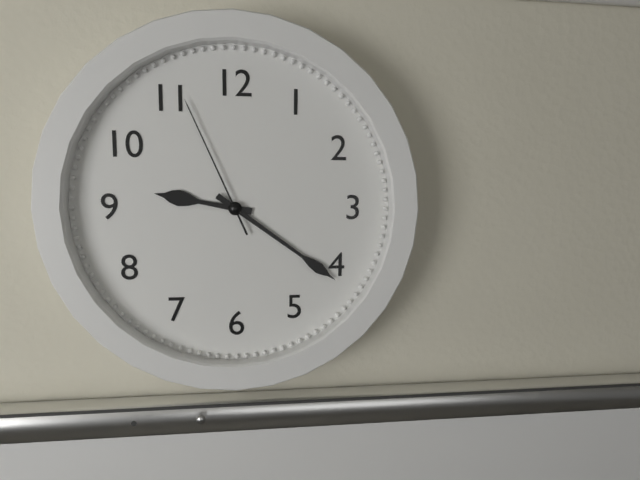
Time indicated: 9:21:56
